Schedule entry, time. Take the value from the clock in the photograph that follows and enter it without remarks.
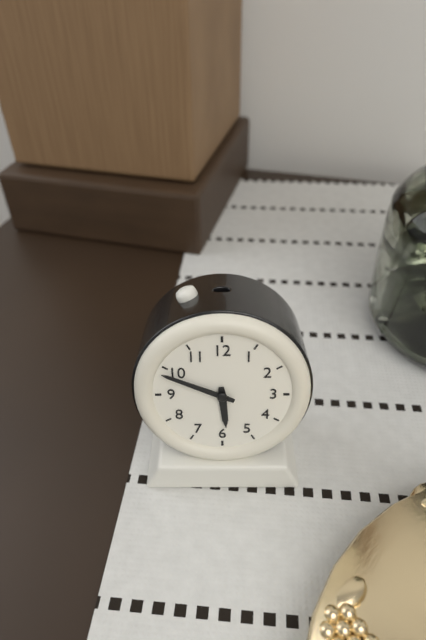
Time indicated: 5:49
